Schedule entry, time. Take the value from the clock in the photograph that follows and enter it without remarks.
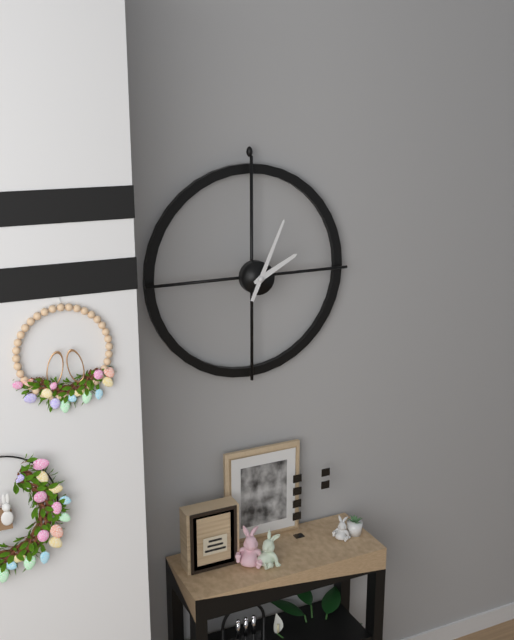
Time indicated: 2:04
